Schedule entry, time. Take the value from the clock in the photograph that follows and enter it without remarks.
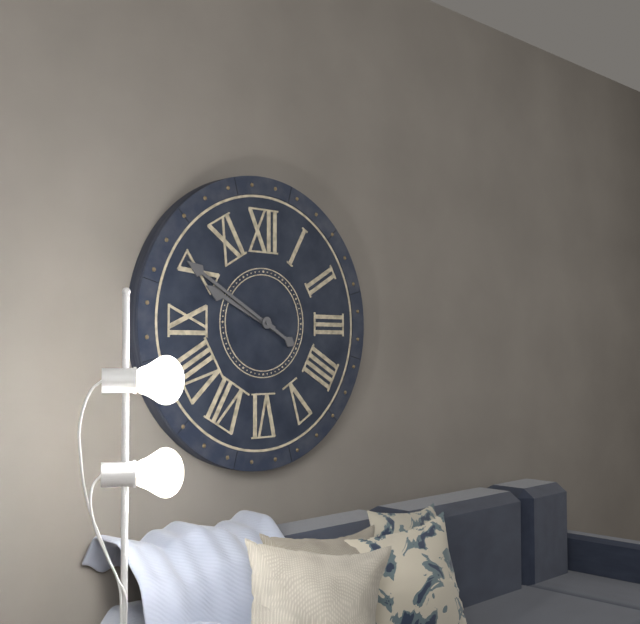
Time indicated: 9:50
